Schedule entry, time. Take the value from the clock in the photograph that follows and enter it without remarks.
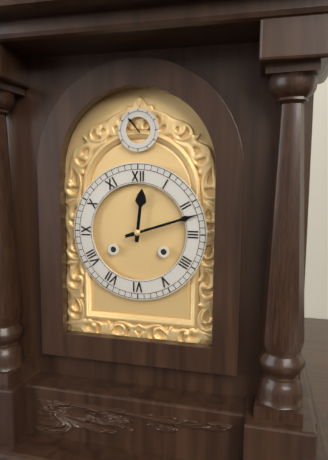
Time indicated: 12:12
